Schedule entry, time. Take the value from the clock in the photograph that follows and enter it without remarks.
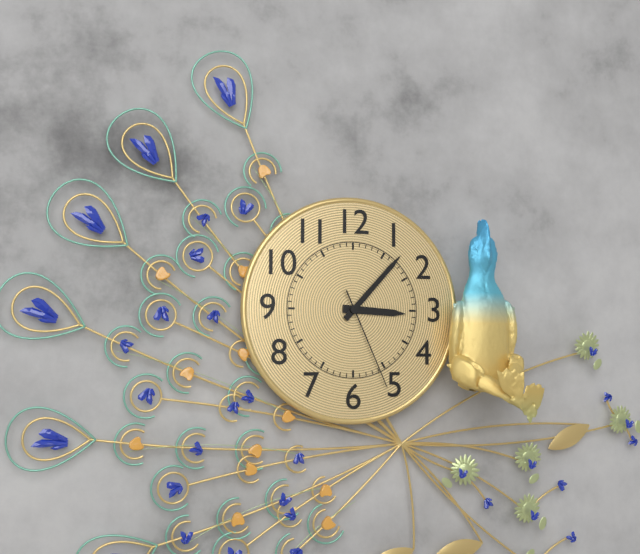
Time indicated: 3:07:26
